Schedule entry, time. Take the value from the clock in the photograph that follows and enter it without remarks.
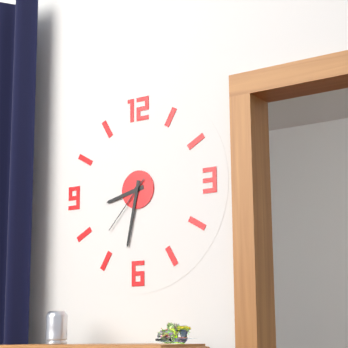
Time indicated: 8:32:37
